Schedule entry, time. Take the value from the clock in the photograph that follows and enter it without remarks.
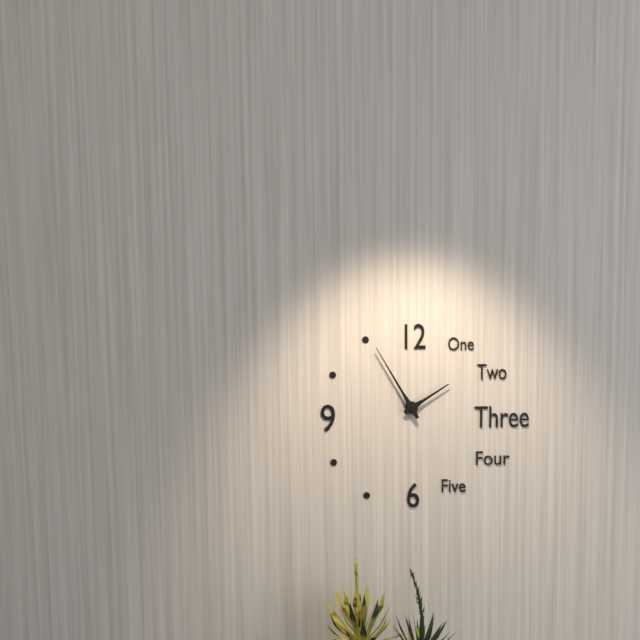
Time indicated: 1:55
